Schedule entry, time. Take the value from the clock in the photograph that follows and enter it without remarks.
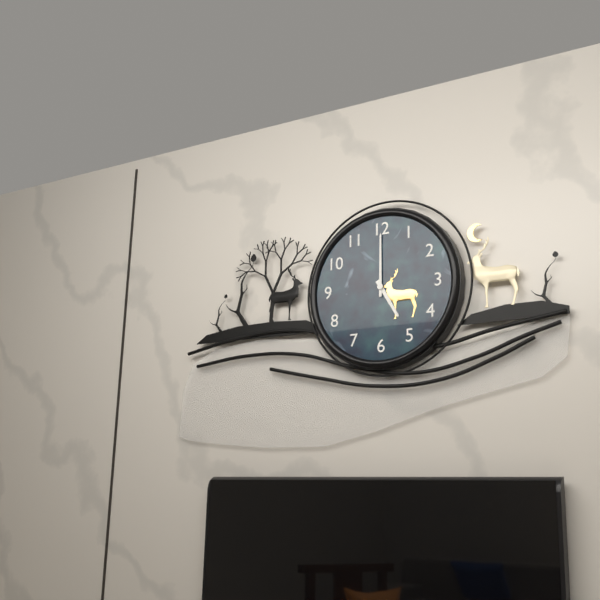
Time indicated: 5:00
